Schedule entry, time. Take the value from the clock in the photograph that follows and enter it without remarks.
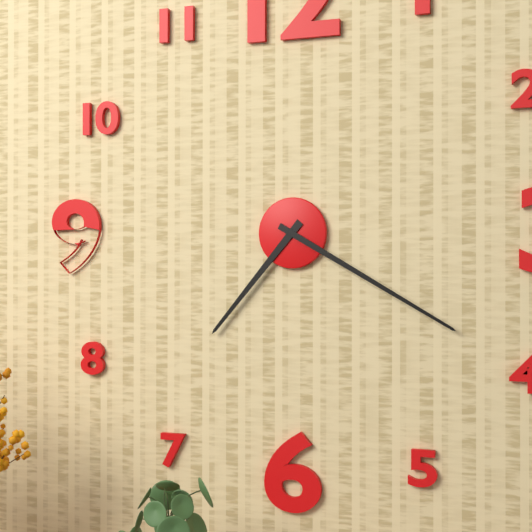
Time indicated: 7:20
